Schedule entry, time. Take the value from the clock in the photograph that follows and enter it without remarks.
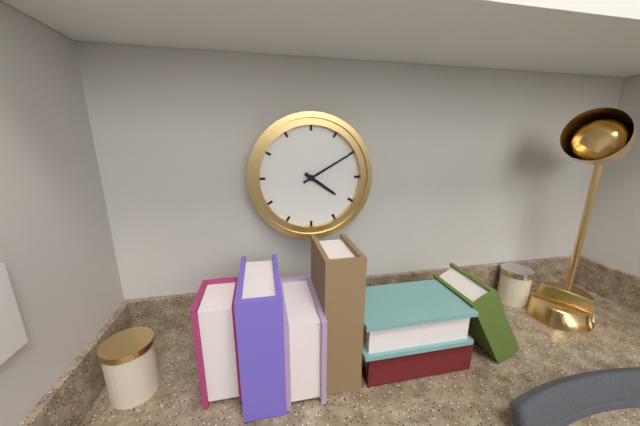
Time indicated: 4:10
